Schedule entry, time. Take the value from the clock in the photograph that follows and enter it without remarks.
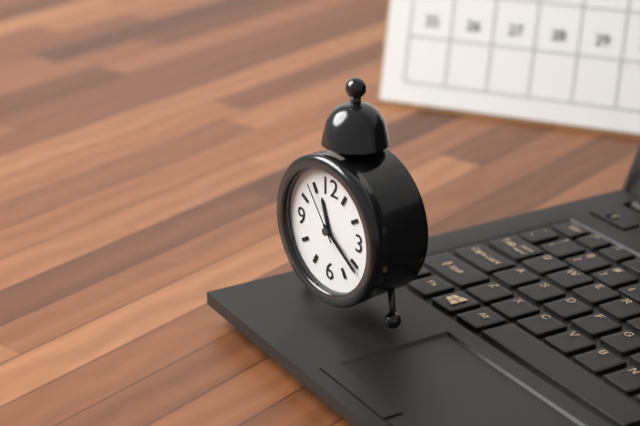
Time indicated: 11:21:54
